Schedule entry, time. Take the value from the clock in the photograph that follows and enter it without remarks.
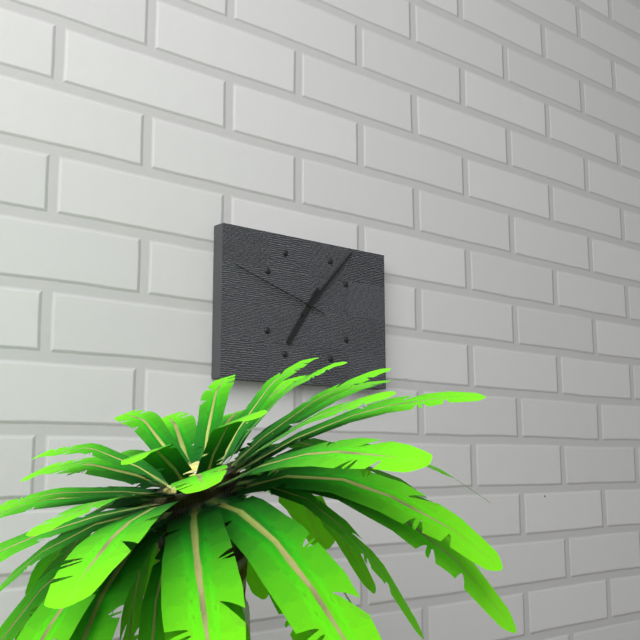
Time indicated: 7:07:48
